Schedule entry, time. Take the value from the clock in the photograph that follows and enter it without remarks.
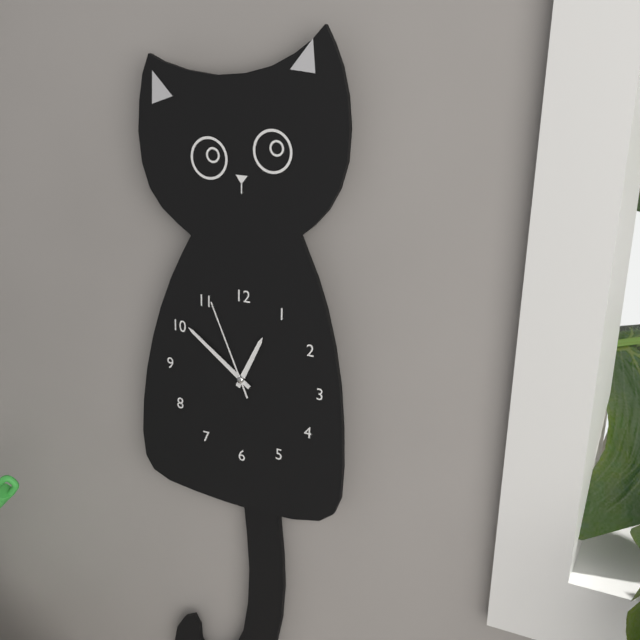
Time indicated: 12:51:56
